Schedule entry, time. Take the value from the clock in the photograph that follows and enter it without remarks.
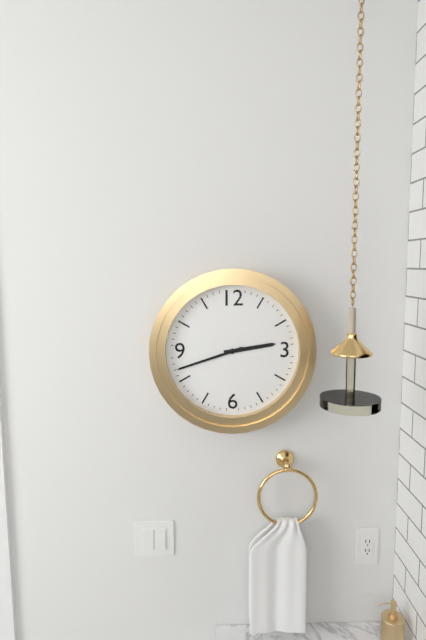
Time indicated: 2:42
